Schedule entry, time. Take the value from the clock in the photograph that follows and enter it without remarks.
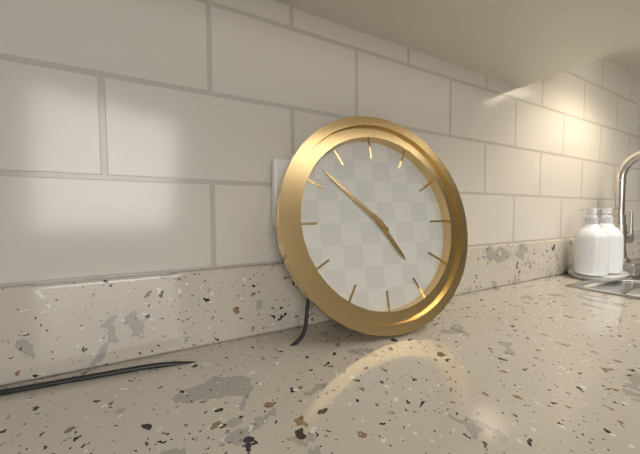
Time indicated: 4:52
